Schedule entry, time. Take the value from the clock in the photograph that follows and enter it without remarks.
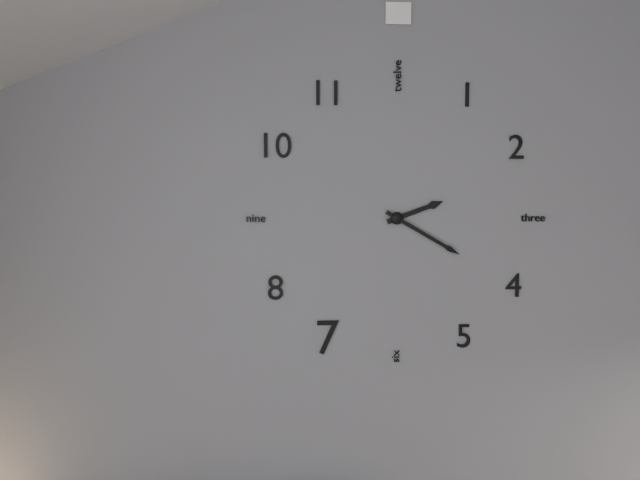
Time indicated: 2:20
